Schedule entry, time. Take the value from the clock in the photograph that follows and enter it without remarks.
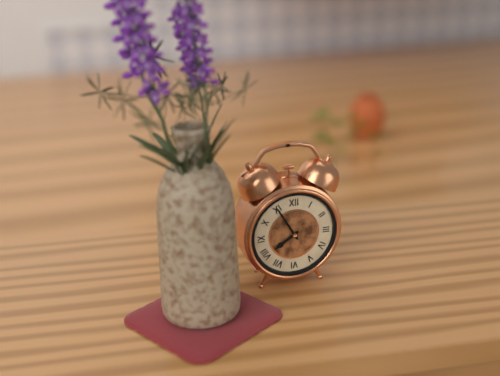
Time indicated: 7:55
